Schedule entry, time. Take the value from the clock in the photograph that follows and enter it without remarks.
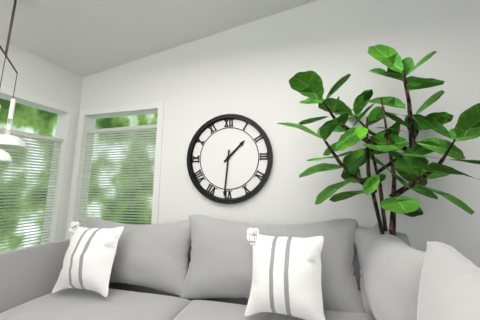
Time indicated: 1:31
